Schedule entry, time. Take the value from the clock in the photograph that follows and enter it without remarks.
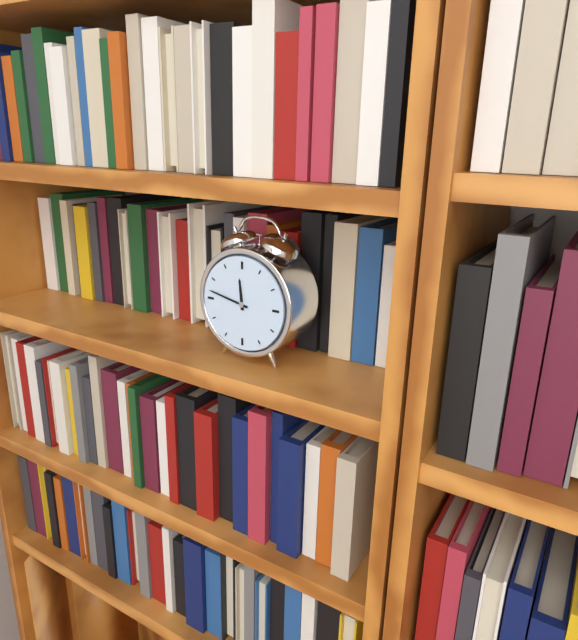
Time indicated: 11:47
